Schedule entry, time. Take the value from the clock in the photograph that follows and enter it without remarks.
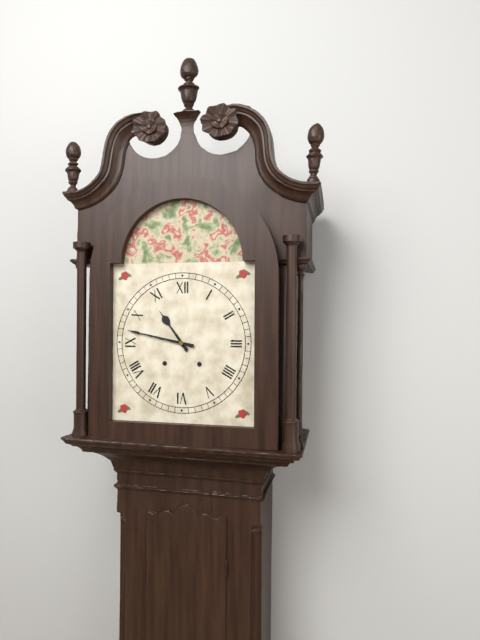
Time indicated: 10:47
